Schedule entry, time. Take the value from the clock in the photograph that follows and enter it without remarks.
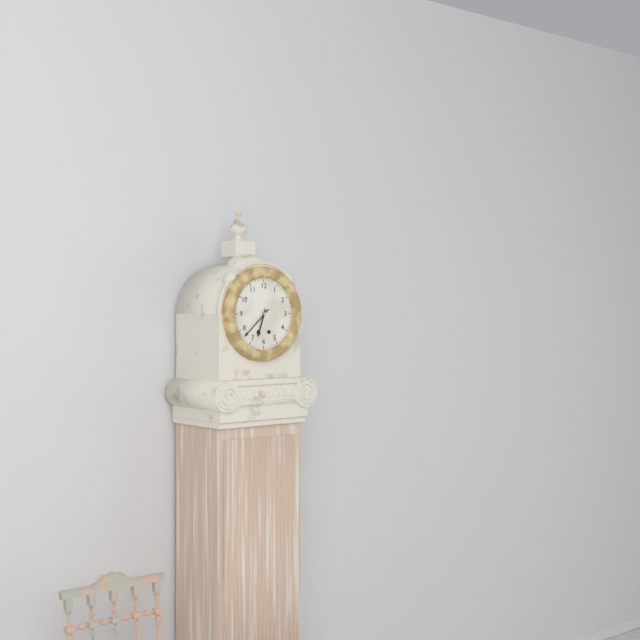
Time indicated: 6:38
